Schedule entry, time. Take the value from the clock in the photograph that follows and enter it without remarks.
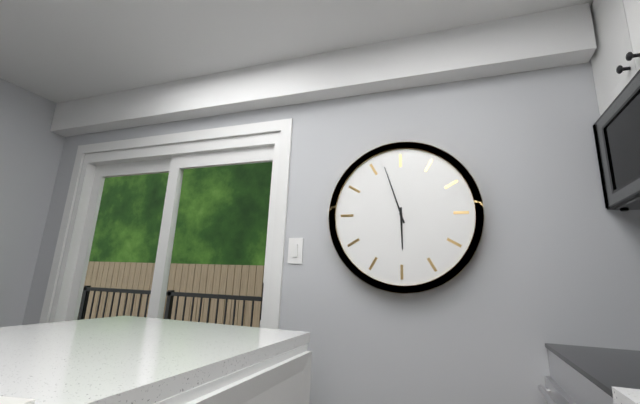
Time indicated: 5:57
